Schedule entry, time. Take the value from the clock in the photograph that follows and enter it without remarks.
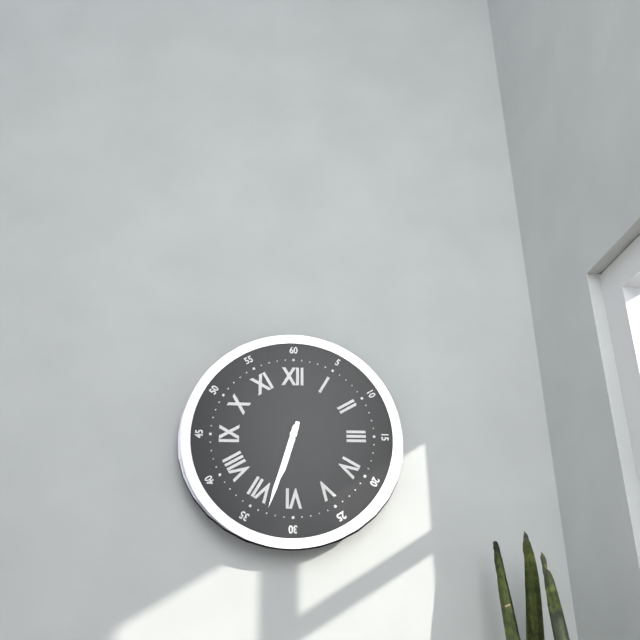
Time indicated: 6:33
